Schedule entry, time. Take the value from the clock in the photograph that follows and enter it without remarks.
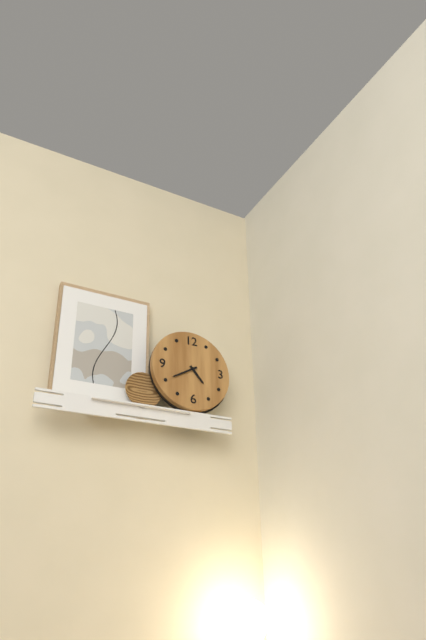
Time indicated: 4:40
